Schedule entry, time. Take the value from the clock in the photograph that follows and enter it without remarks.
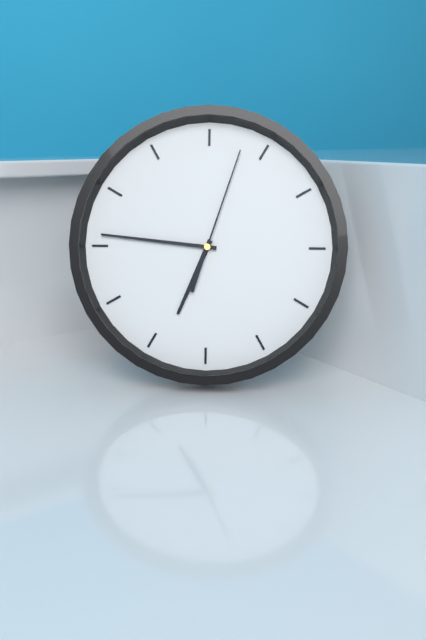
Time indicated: 6:46:03
